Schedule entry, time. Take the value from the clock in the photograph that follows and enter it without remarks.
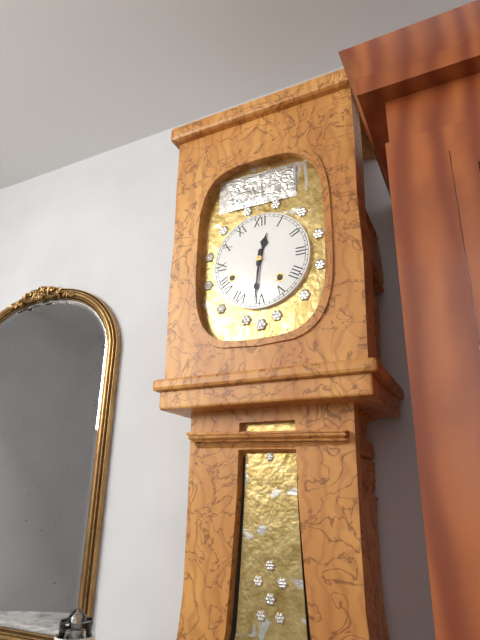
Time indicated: 12:31
